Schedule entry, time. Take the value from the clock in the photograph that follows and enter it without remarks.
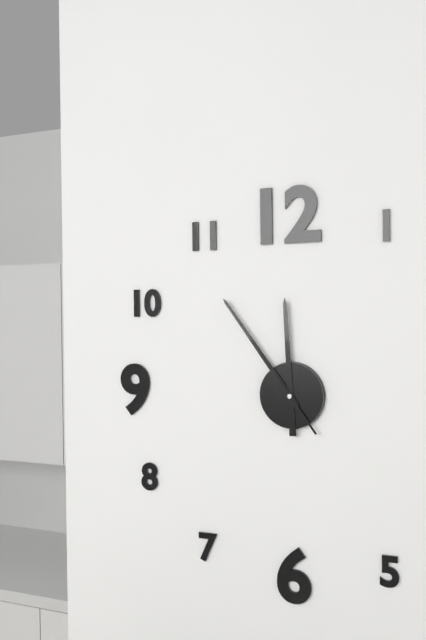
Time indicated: 11:54:54
